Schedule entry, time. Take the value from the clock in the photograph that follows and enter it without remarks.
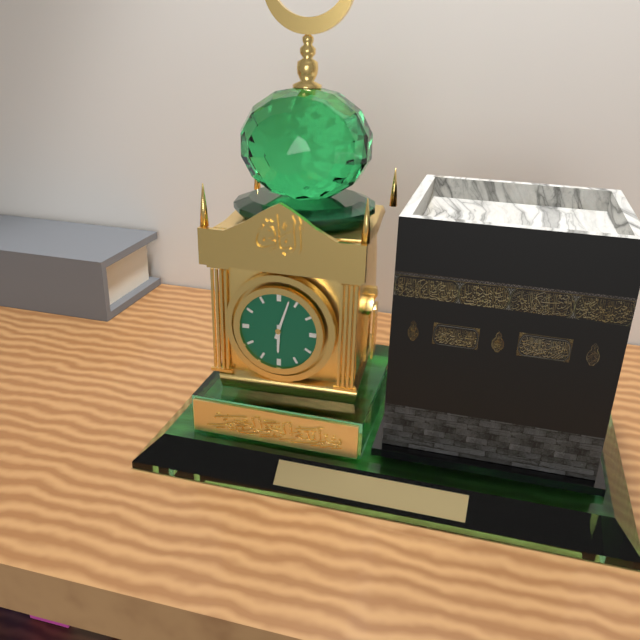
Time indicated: 6:03
